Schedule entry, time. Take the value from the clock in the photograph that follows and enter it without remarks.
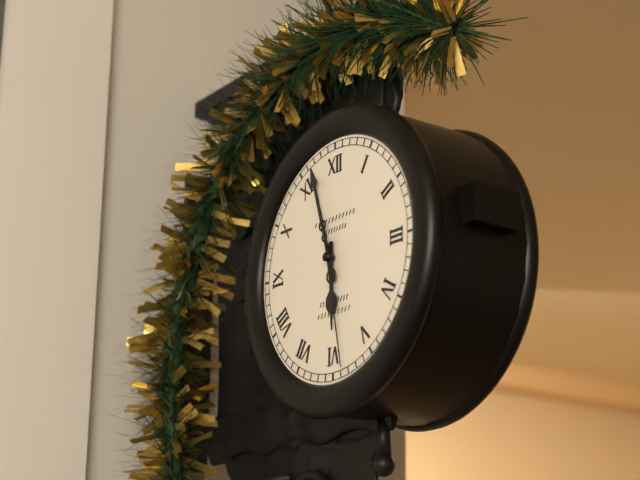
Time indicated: 5:57:28
